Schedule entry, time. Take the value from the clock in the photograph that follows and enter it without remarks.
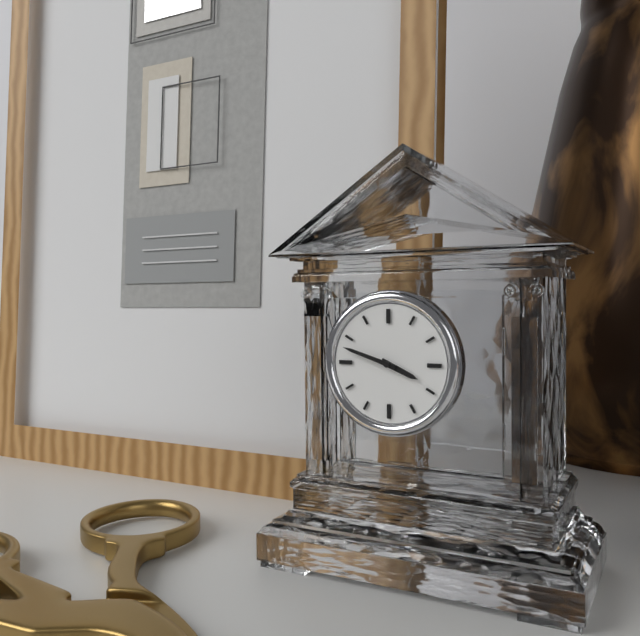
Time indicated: 3:48
